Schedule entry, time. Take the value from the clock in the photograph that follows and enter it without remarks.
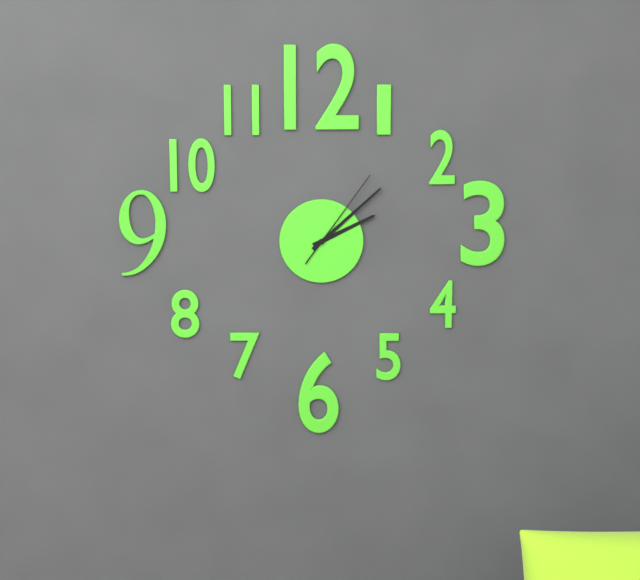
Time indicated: 2:08:06
